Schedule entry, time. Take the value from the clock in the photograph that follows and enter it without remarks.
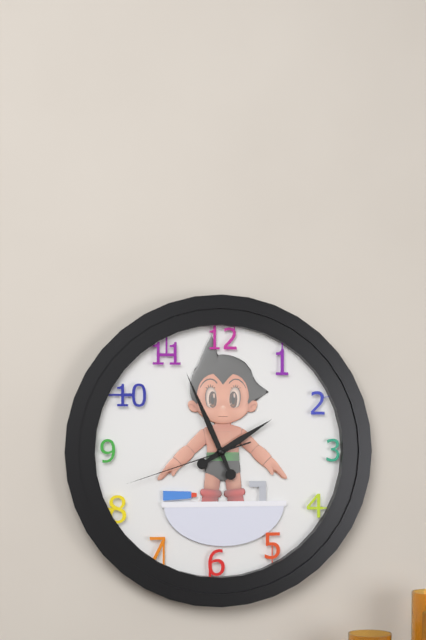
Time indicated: 1:56:42
